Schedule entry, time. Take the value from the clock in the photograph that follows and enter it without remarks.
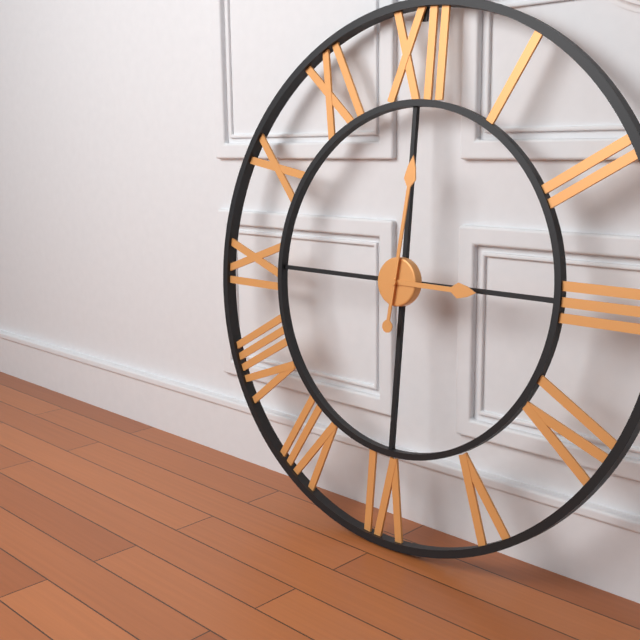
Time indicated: 3:01
